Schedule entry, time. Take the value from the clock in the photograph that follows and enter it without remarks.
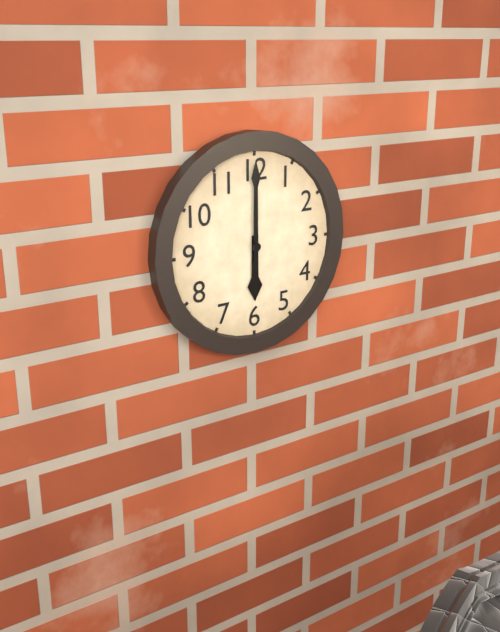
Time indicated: 6:00
